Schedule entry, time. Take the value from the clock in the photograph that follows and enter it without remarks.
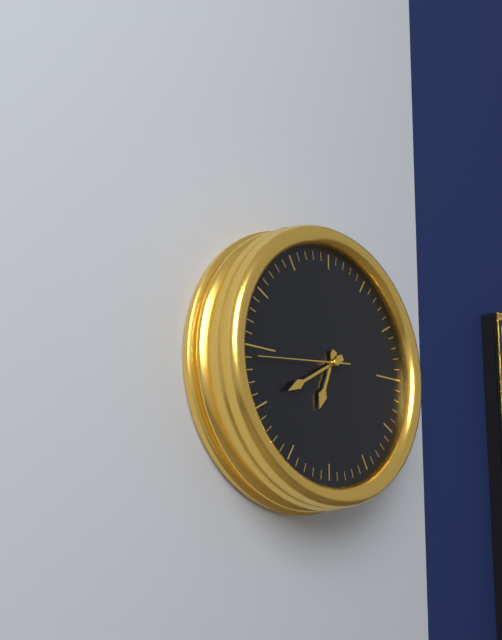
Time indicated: 6:40:44
